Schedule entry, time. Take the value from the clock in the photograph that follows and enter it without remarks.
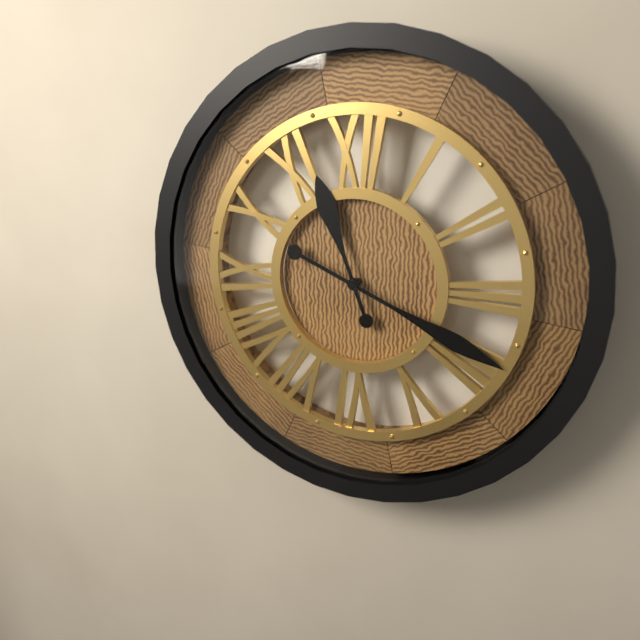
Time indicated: 11:19
